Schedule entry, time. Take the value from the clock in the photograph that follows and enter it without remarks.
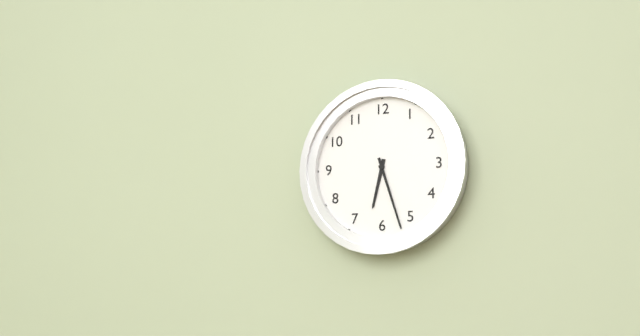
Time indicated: 6:27
